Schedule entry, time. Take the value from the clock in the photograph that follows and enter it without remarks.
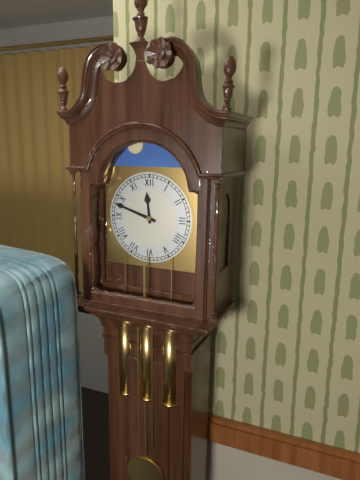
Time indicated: 11:48
